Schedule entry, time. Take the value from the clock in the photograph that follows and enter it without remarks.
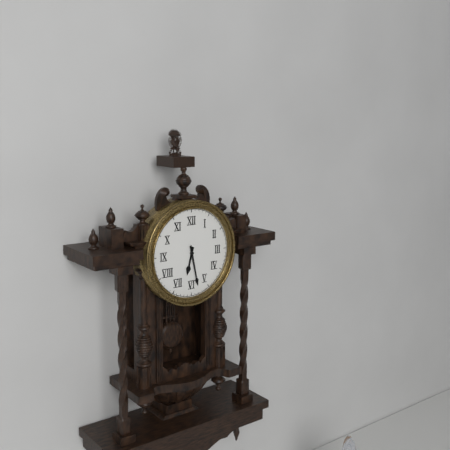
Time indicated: 6:28
